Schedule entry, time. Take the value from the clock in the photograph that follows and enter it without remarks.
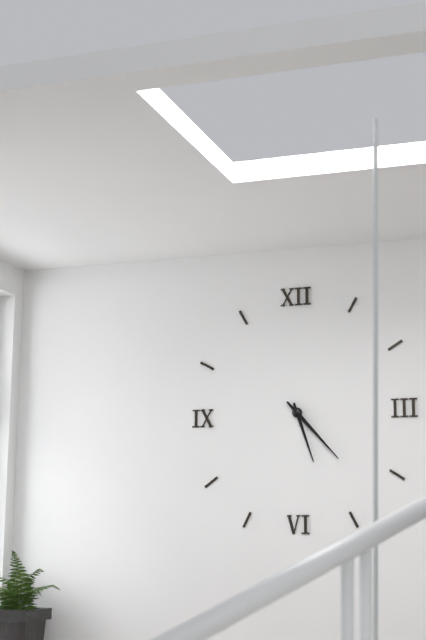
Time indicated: 5:23
